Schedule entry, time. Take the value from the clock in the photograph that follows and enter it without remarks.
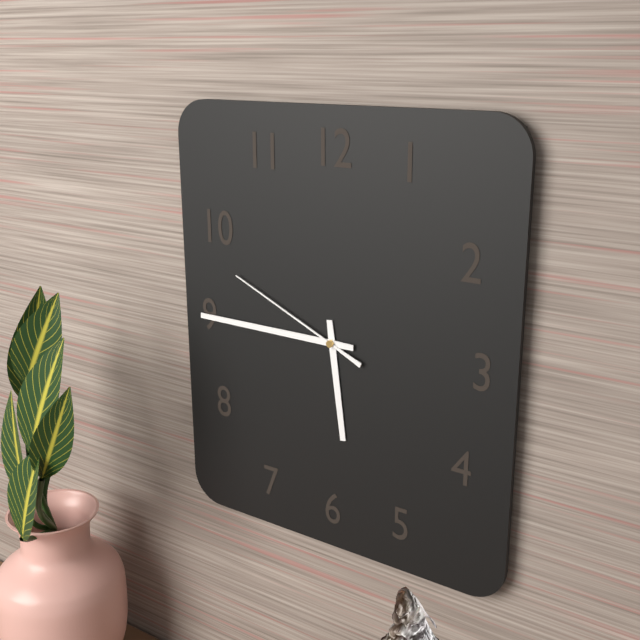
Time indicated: 5:45:49
